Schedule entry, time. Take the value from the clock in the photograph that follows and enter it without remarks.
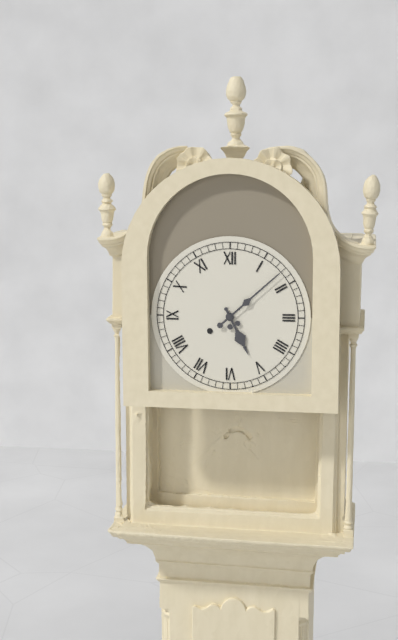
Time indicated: 5:08
